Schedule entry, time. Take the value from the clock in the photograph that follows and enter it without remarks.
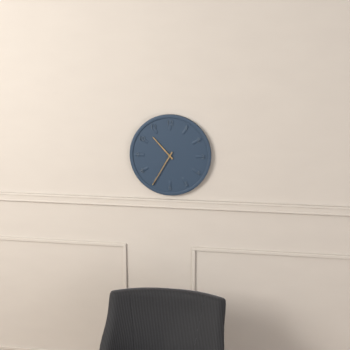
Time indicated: 10:35
